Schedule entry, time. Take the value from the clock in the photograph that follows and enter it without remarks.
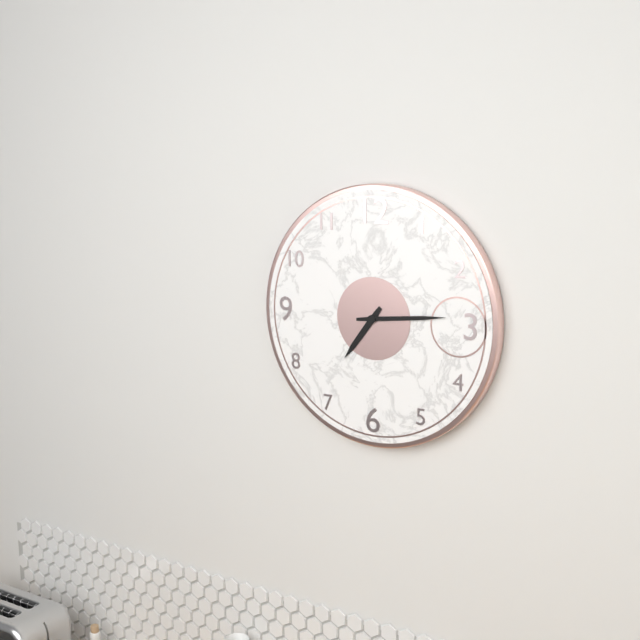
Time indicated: 7:14
